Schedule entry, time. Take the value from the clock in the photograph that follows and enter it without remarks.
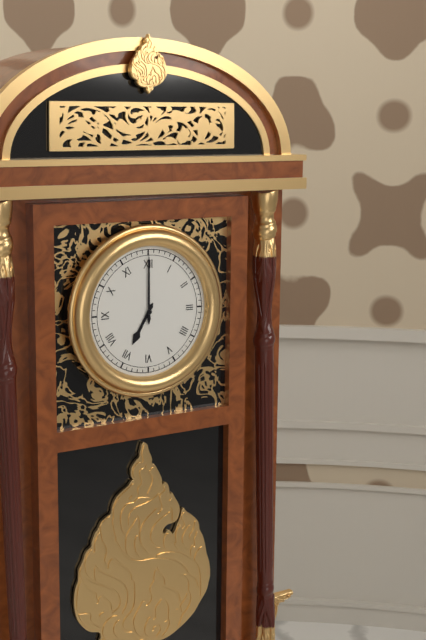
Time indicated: 7:00
